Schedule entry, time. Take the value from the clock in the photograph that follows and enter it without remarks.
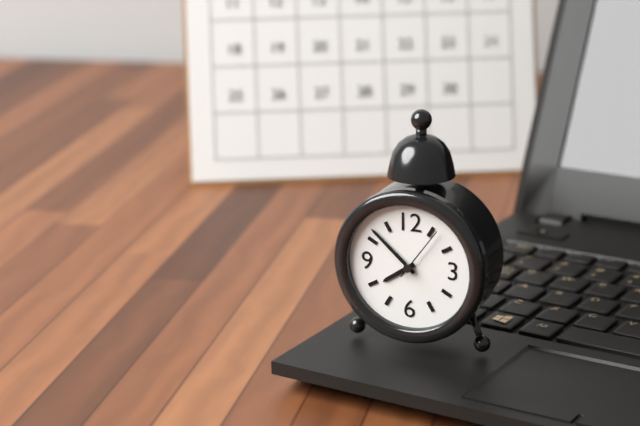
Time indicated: 7:52:06
